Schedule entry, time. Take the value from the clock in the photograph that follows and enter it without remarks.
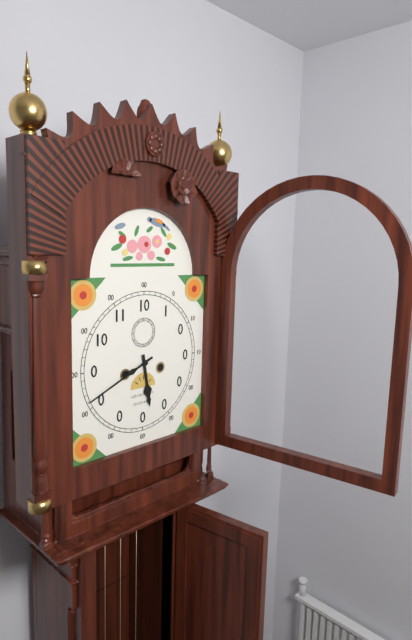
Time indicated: 5:41
